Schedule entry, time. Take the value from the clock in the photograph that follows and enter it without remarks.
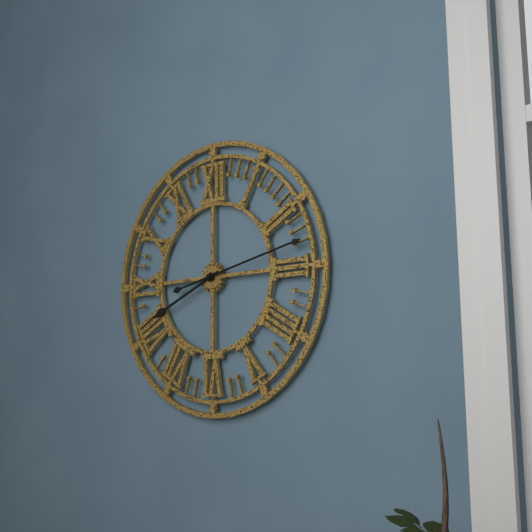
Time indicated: 8:13
